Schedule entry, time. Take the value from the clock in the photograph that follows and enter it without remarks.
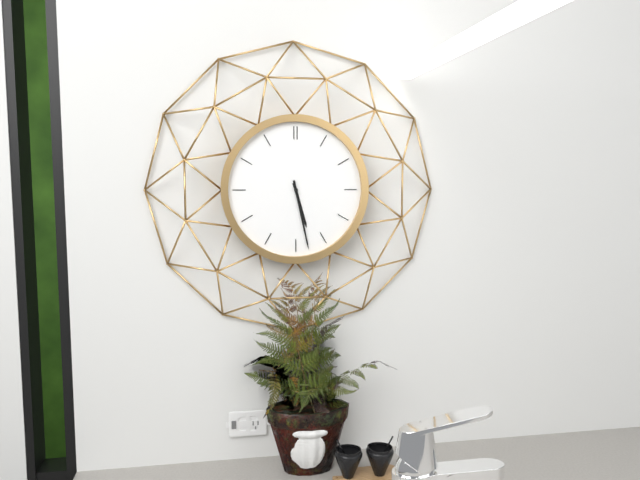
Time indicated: 5:28
